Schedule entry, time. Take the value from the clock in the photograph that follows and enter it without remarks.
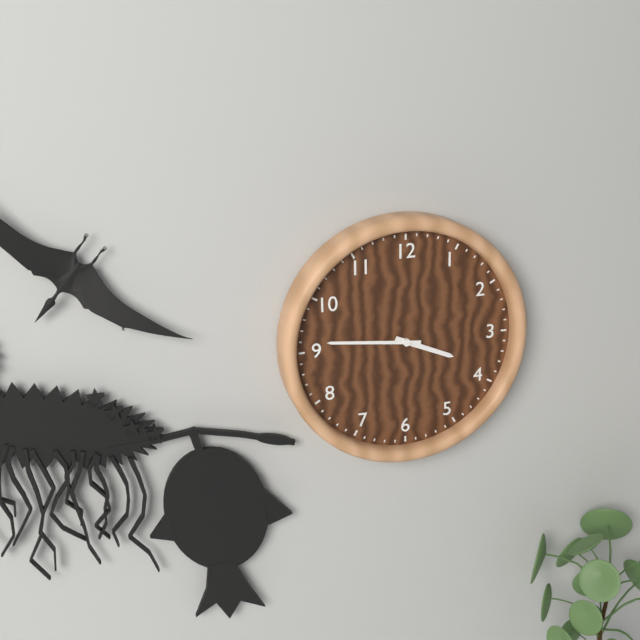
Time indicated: 3:46
